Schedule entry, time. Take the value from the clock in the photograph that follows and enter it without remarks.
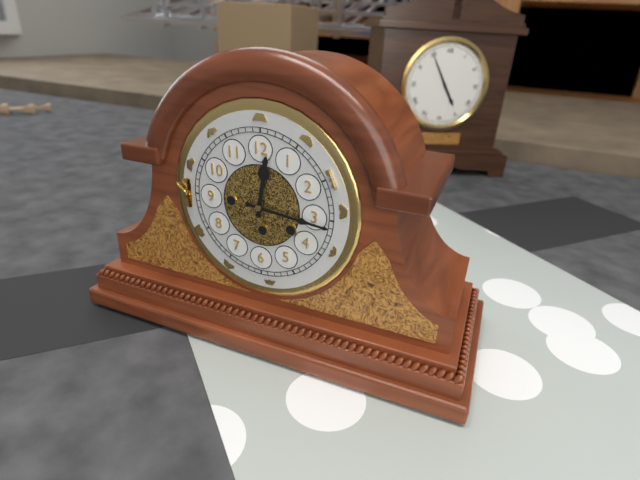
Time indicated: 12:16
